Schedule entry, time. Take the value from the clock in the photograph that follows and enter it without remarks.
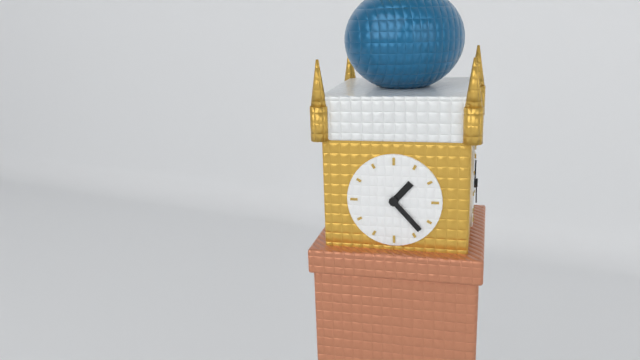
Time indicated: 1:23
